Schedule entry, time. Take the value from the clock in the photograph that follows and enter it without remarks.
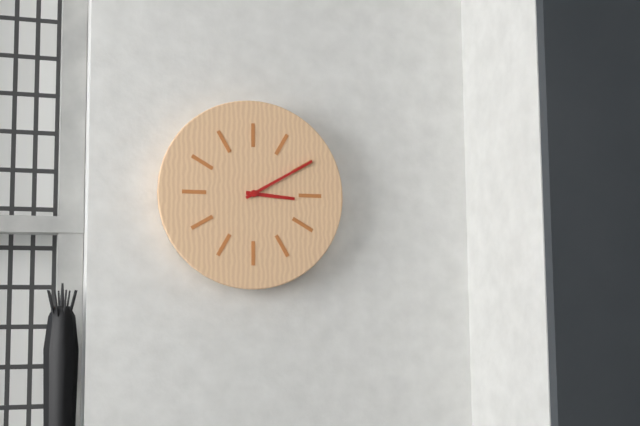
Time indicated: 3:10
